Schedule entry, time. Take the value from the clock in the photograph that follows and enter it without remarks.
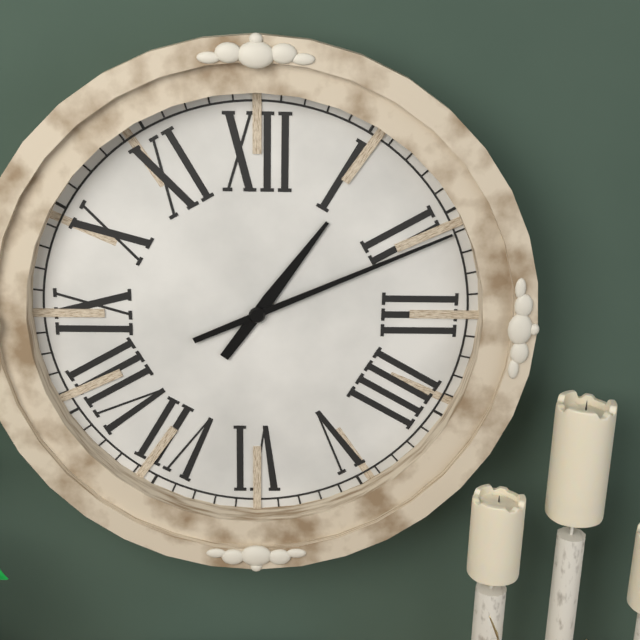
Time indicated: 1:11
